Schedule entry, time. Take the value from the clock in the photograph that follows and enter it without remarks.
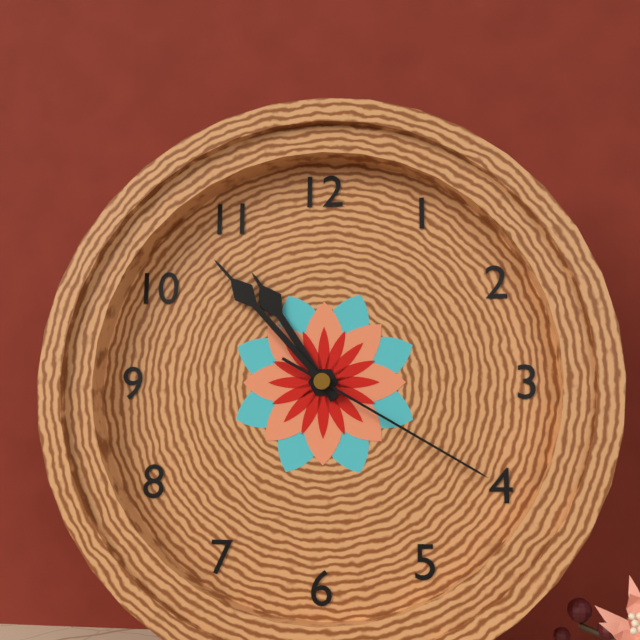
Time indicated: 10:53:20
